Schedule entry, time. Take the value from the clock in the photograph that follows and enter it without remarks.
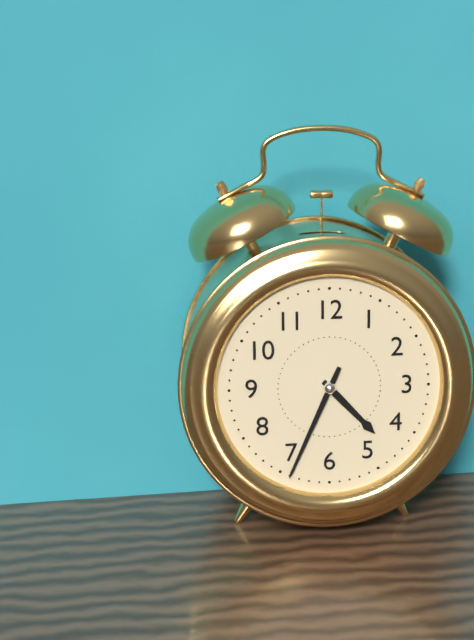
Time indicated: 4:34
